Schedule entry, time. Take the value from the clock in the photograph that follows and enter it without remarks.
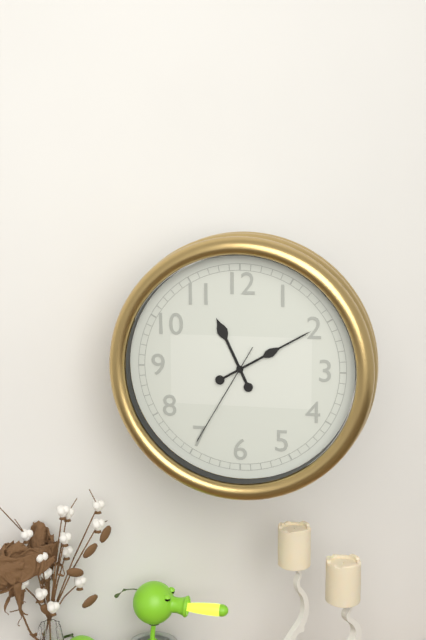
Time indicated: 11:10:35
